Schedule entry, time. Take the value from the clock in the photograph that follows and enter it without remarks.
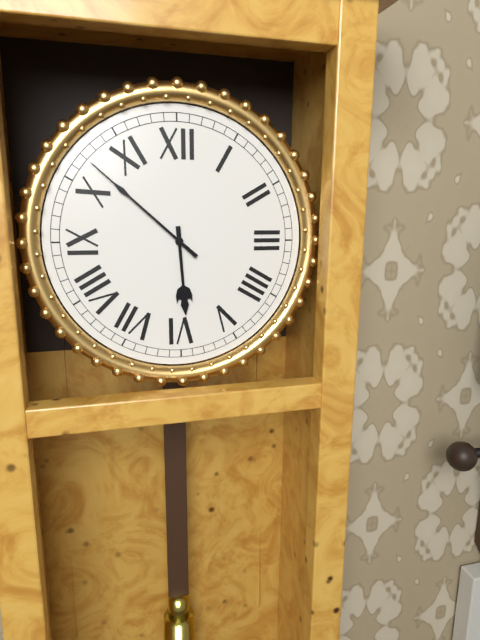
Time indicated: 5:52
